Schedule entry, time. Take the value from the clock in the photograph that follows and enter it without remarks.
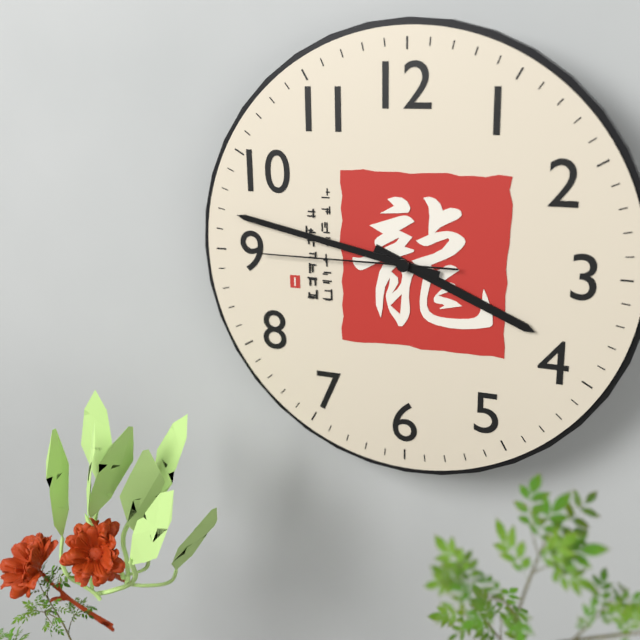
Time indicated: 3:47:45
